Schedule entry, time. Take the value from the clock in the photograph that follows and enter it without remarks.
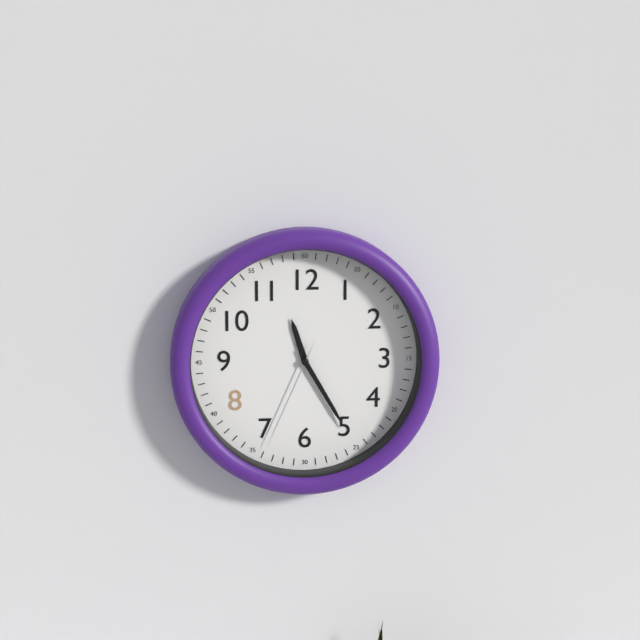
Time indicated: 11:25:34
